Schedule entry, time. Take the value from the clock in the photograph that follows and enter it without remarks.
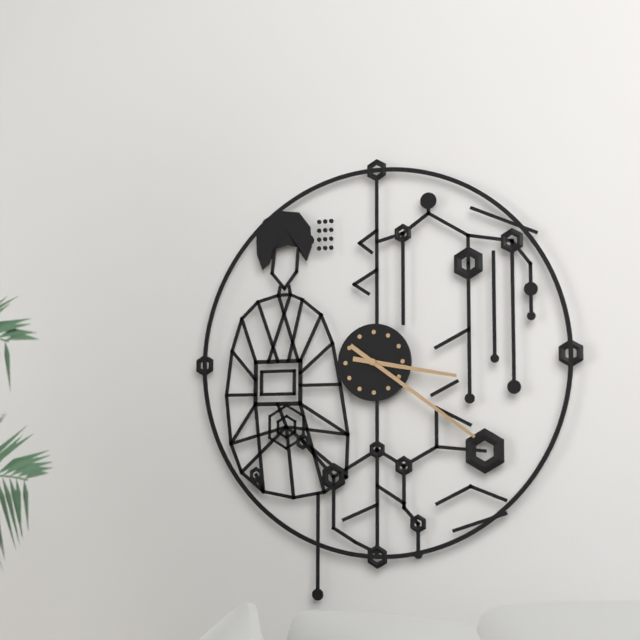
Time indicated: 3:21
